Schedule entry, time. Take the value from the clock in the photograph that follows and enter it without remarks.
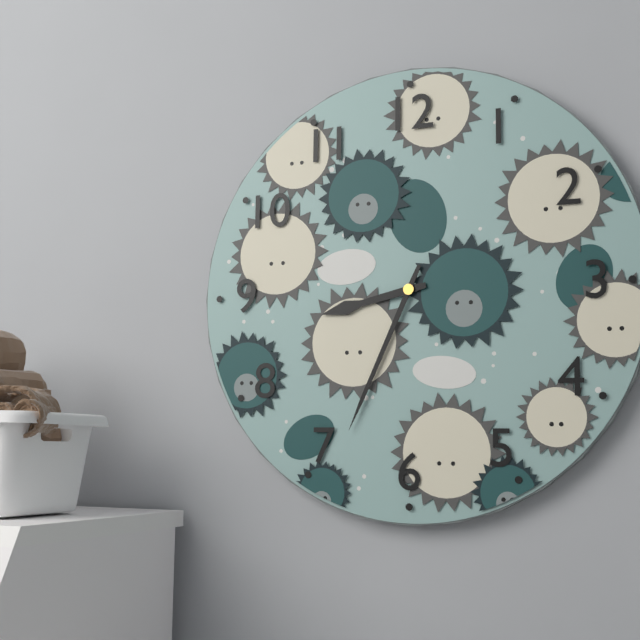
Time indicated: 8:34
